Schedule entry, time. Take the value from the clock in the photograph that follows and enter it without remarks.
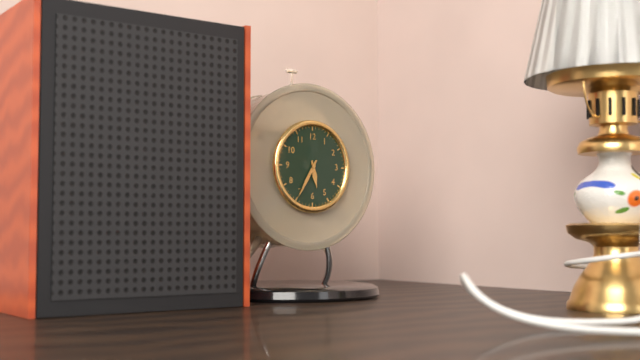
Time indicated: 5:35
